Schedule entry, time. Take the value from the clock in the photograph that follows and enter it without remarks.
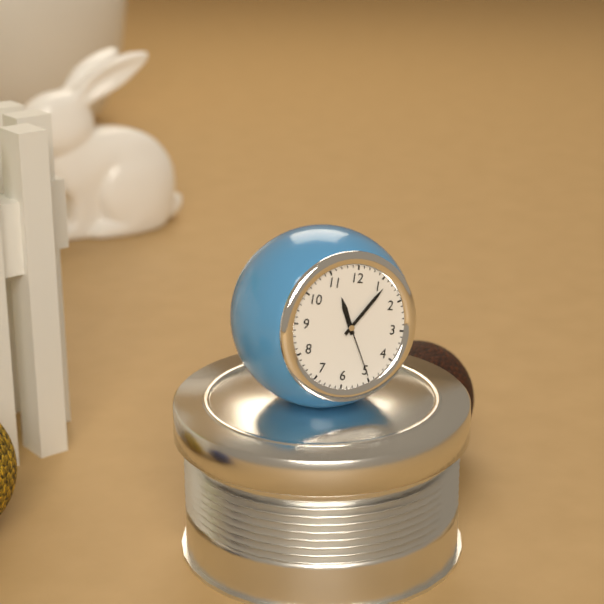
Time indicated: 11:06:25
